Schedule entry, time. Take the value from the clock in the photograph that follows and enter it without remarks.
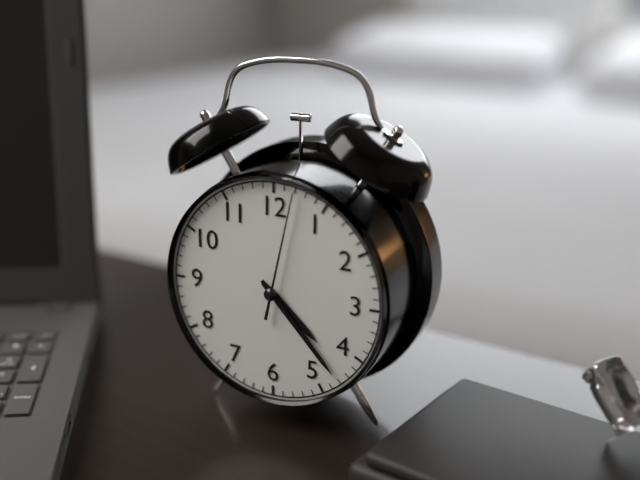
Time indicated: 4:23:02
